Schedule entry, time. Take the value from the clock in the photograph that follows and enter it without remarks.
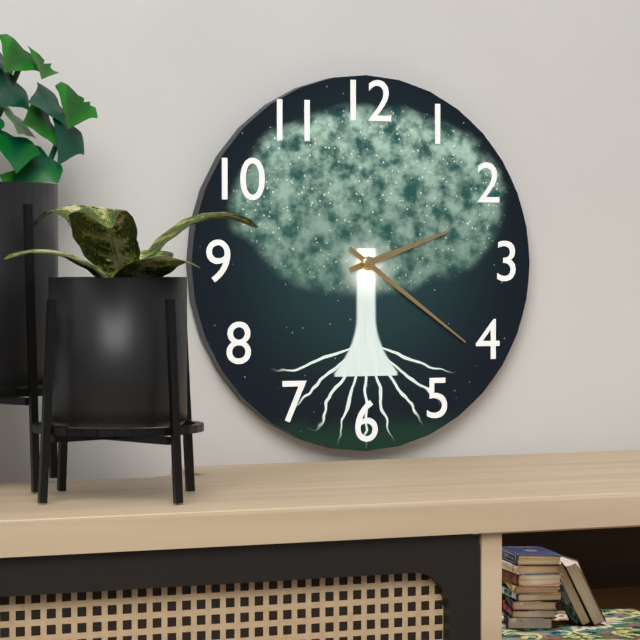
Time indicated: 2:21
